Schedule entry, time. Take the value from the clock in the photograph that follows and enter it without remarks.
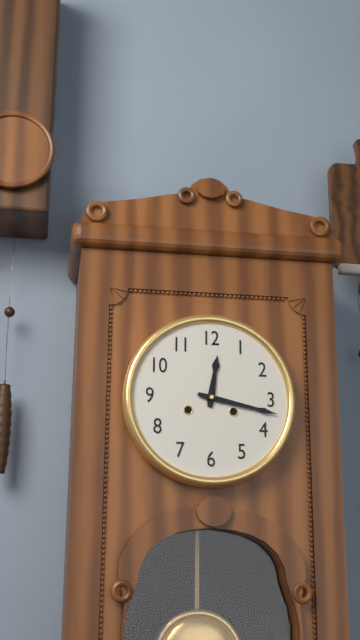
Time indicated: 12:17
